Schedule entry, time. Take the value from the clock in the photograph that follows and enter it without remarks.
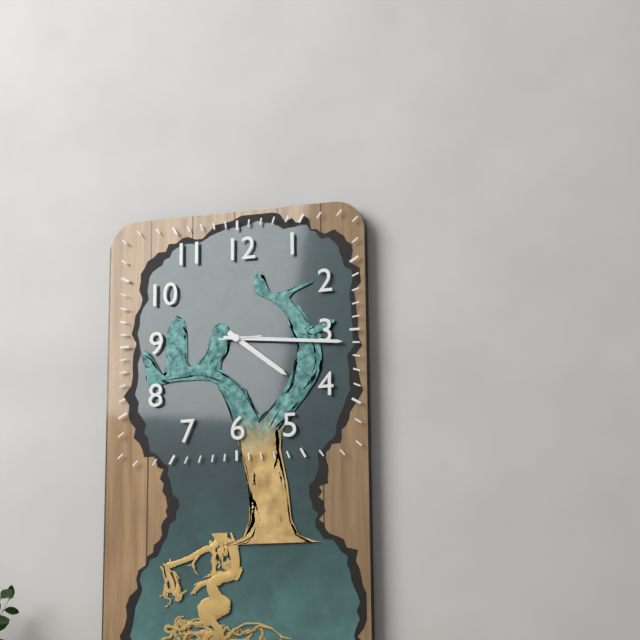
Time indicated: 4:16
